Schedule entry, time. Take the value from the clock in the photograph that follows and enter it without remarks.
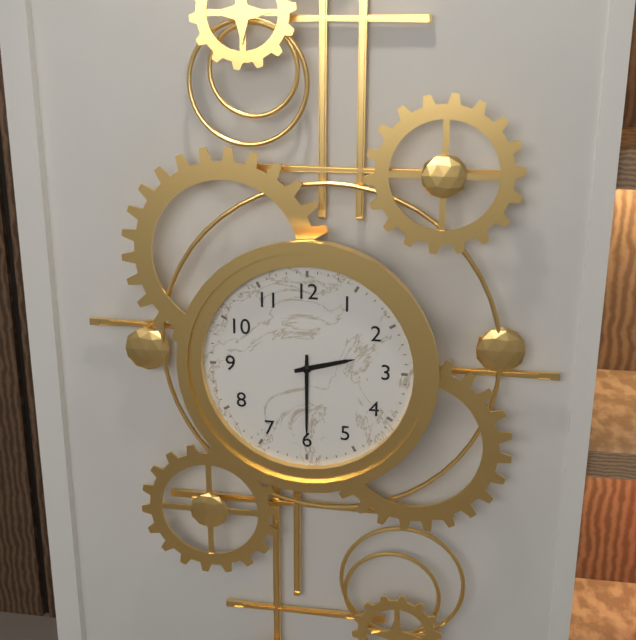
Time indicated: 2:30
